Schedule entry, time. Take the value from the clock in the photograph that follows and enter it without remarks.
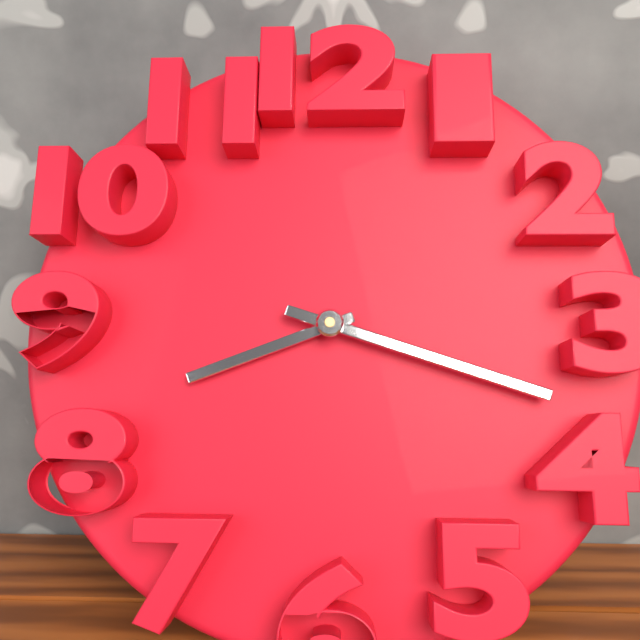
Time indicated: 8:18
